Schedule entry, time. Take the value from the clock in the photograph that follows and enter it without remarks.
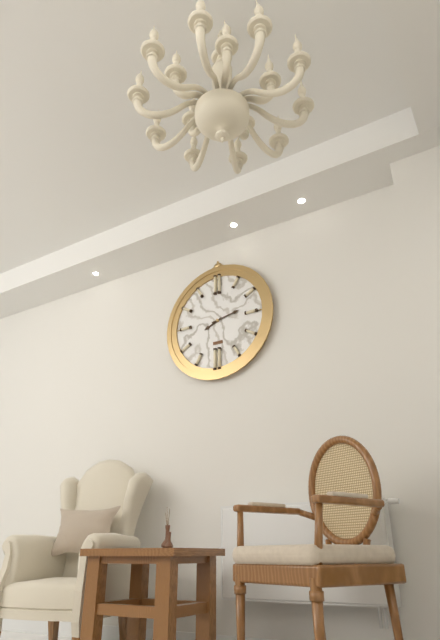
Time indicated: 8:13
